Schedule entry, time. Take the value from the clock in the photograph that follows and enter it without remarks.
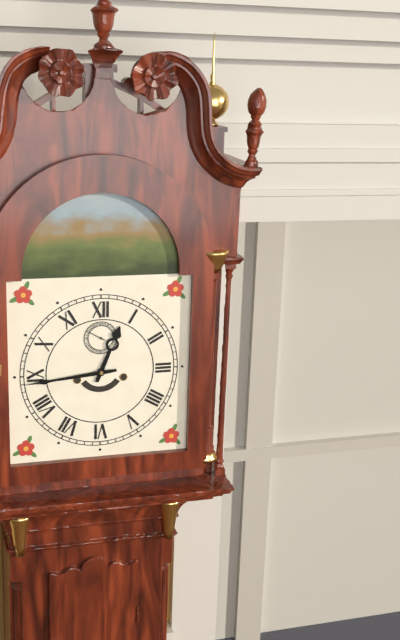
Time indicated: 12:44
